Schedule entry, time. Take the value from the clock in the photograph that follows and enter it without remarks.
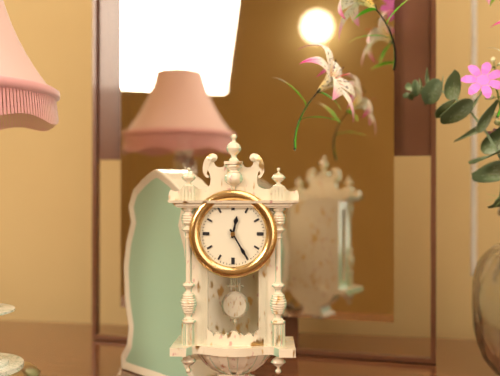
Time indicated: 12:25
